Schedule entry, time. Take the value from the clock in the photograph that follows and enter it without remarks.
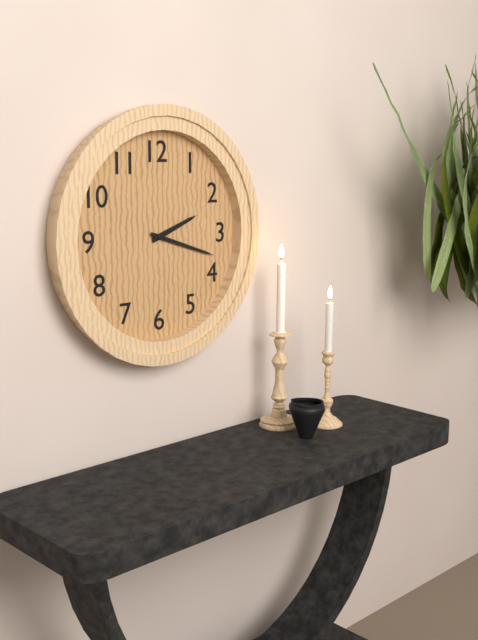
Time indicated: 2:18
